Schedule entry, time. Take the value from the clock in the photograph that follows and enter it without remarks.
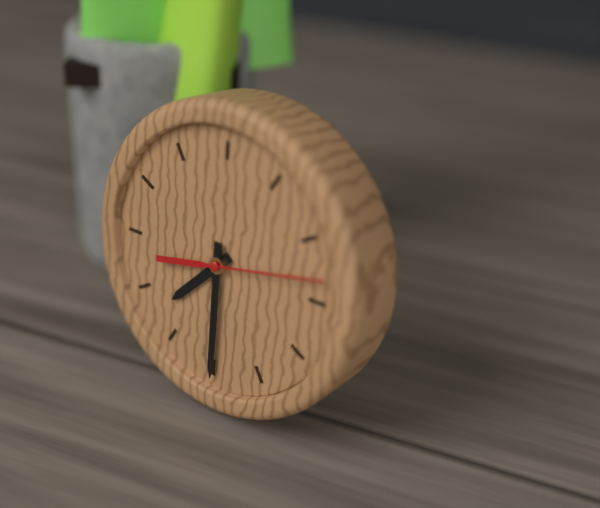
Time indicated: 7:30:13
